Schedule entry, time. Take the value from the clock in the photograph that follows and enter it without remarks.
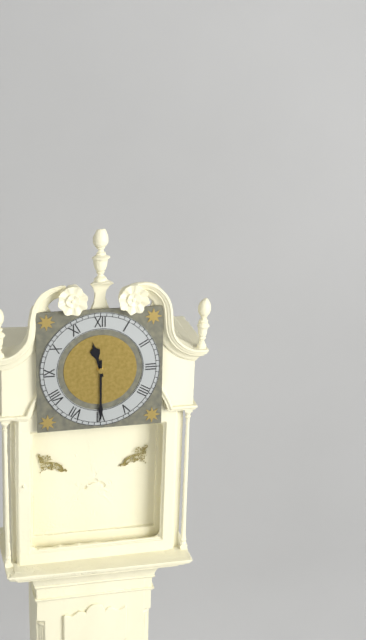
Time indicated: 11:30
